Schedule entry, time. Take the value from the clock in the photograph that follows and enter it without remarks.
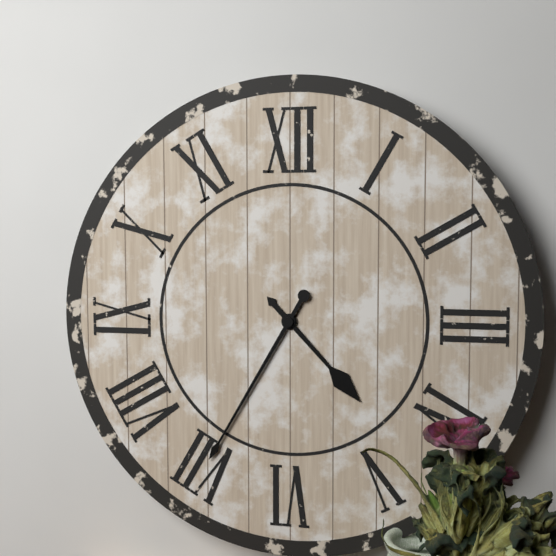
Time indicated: 4:35
